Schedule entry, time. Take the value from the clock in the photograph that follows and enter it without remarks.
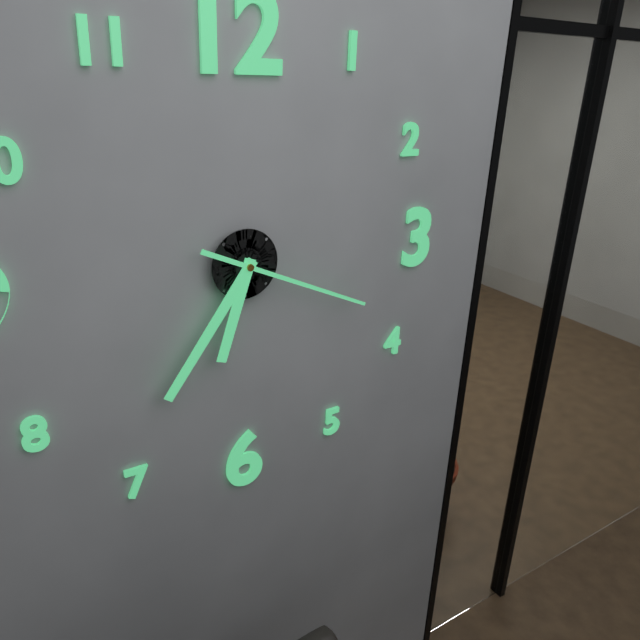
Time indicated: 6:36:19
